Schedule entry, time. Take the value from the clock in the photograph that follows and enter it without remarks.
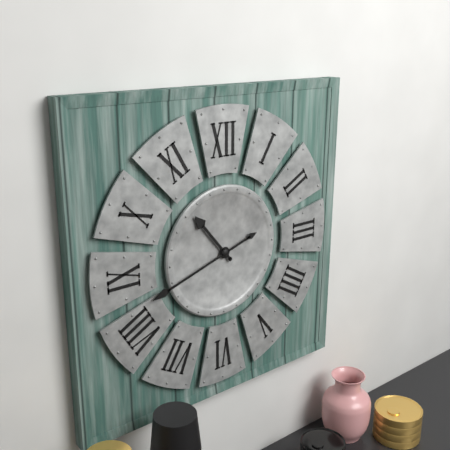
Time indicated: 10:42
